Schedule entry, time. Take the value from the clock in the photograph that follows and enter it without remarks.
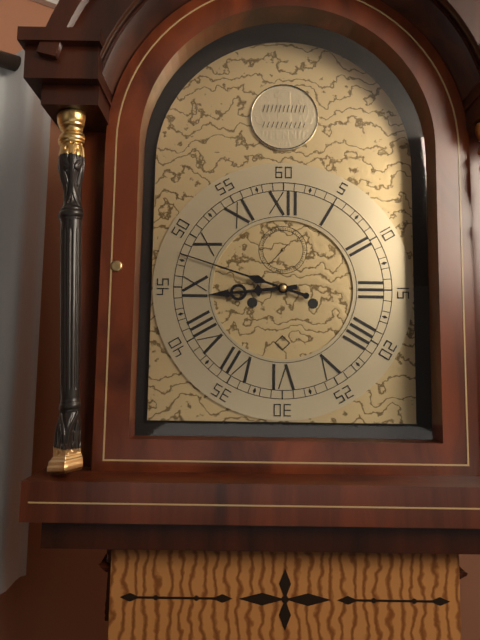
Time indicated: 8:48
